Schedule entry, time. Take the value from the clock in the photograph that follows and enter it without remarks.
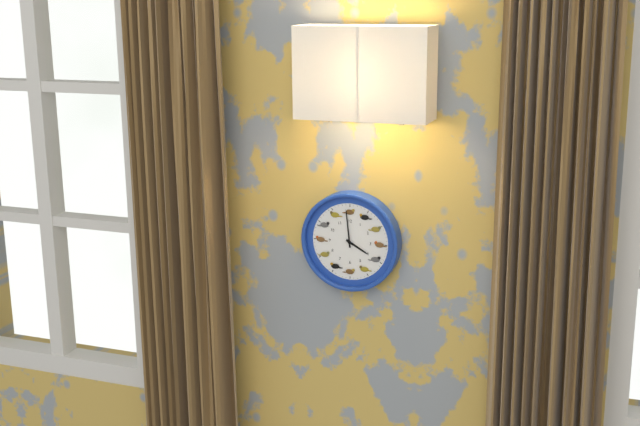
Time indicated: 3:59
